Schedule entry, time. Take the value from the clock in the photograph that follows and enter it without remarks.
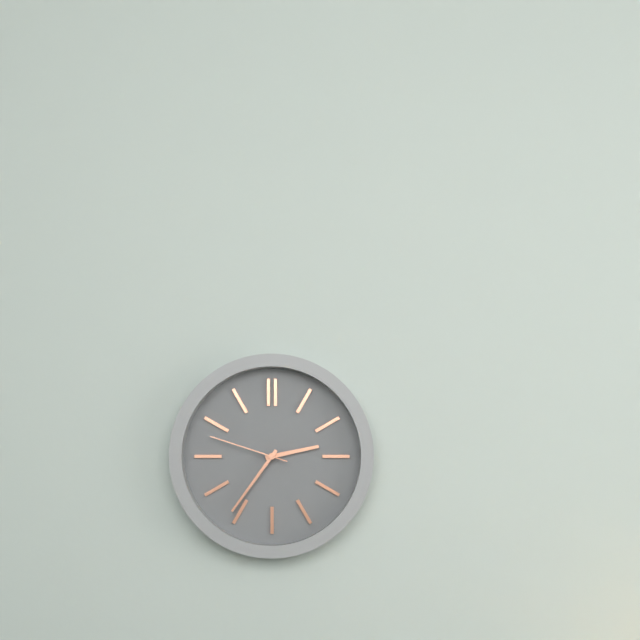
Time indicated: 2:36:48
